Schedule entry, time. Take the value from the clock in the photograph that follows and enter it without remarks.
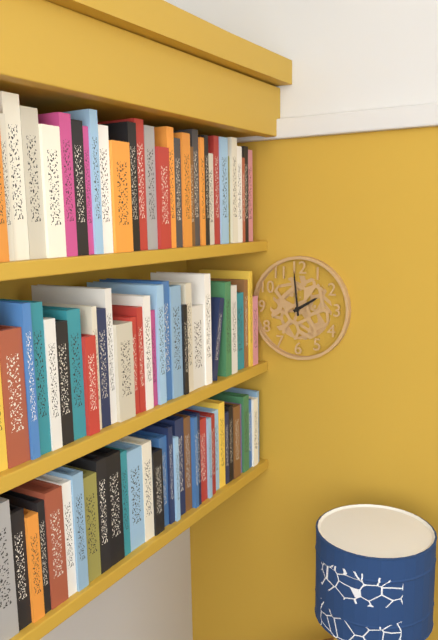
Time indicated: 1:59
